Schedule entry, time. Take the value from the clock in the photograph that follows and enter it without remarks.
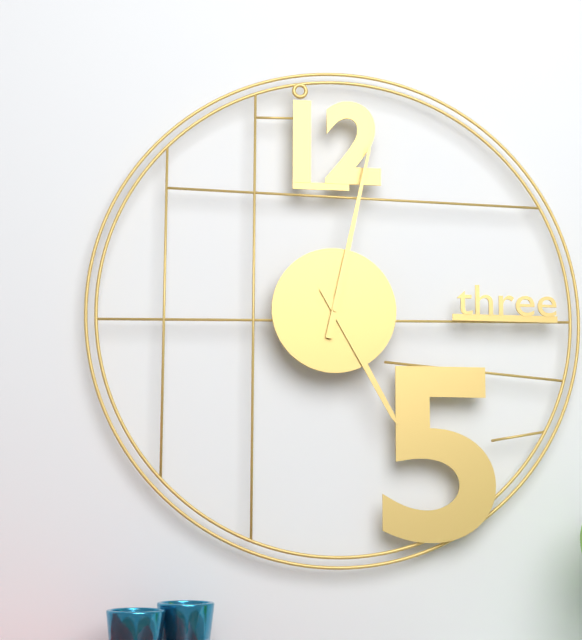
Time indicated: 5:02
